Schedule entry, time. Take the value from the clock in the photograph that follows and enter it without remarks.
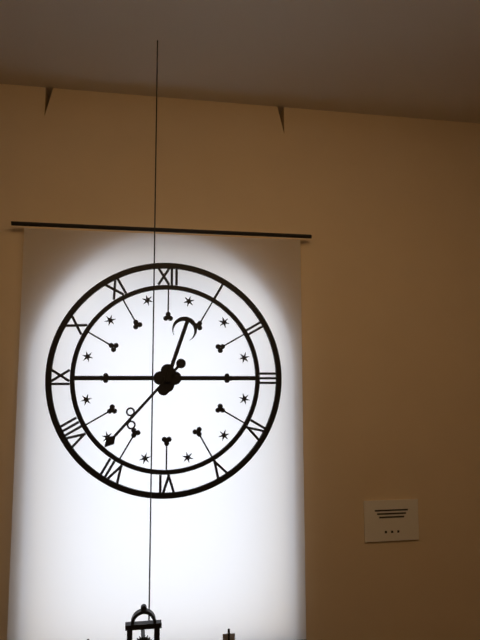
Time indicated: 12:37
